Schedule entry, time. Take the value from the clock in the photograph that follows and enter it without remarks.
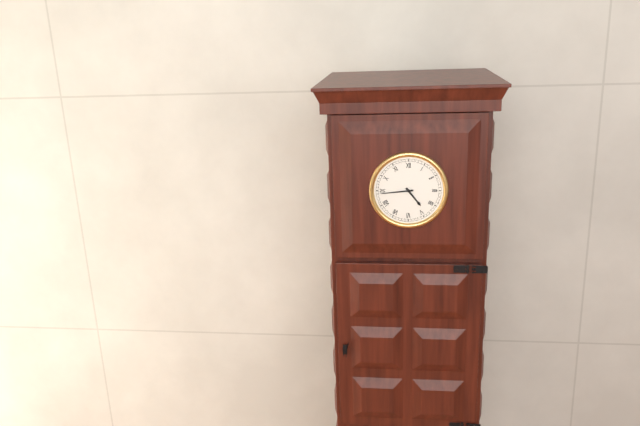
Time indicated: 4:44
